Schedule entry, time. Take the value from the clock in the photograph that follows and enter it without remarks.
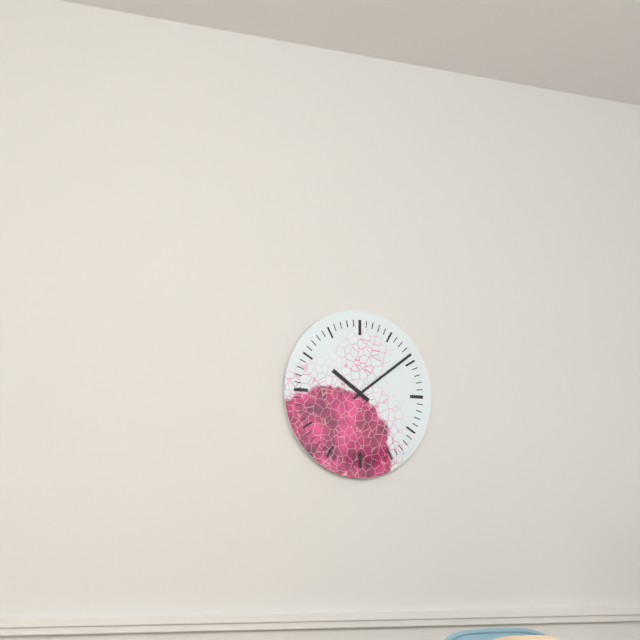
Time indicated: 10:09
